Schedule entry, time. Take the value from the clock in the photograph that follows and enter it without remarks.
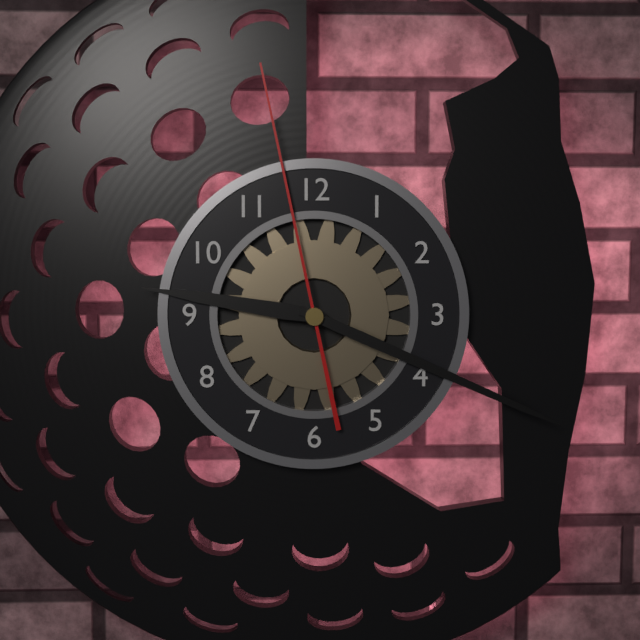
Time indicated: 9:19:58
